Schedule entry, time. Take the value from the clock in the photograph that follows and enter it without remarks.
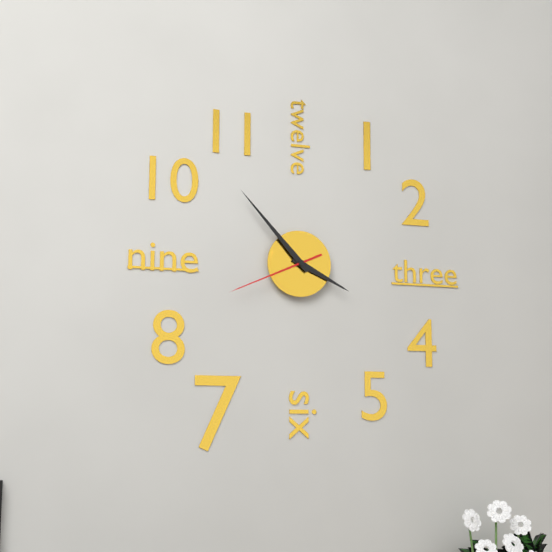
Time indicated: 3:53:41
